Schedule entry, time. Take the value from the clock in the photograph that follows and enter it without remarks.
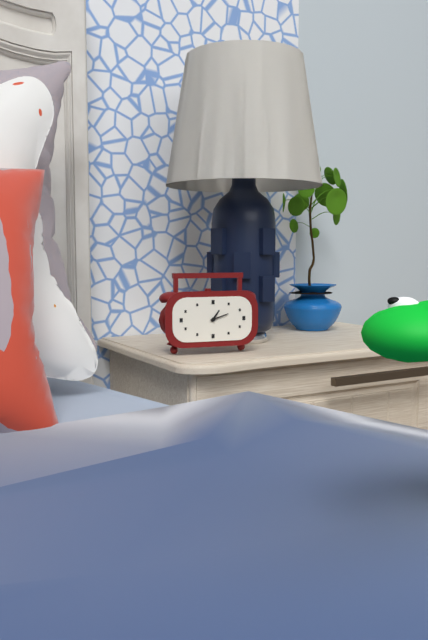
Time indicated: 1:12
